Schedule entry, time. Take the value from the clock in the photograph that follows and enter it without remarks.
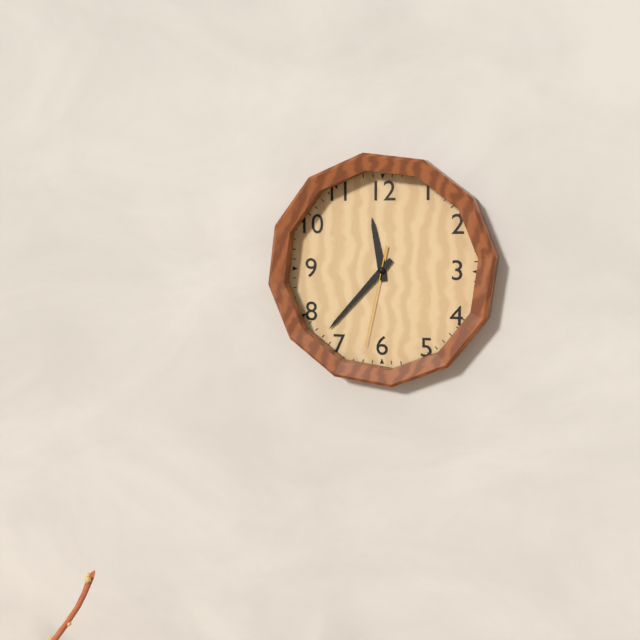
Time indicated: 11:37:32
